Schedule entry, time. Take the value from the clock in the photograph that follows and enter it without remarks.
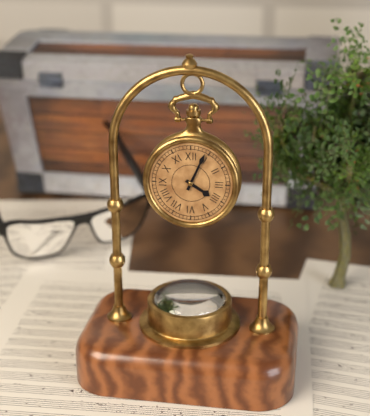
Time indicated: 4:04
